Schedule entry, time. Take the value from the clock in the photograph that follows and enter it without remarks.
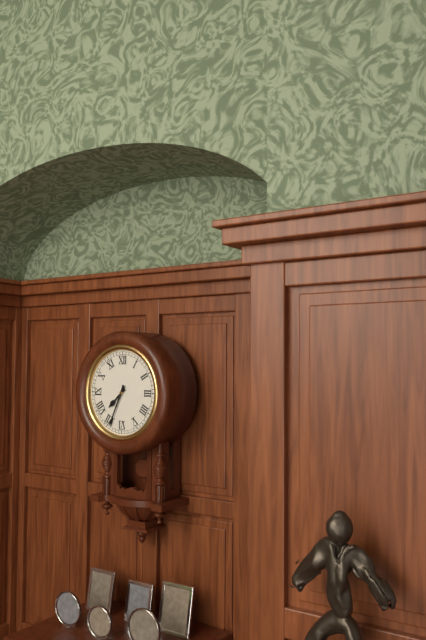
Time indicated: 7:34
